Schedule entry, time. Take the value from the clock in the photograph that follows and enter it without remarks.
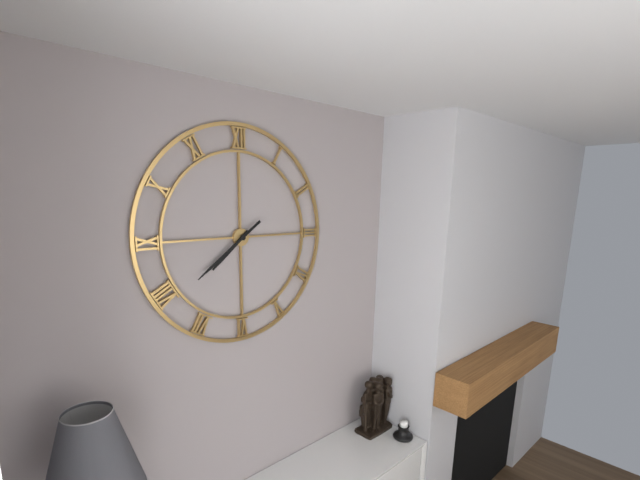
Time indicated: 7:39
